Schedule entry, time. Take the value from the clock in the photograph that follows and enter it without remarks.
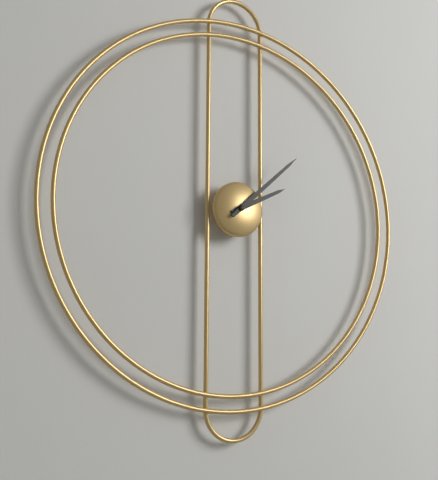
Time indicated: 2:08
